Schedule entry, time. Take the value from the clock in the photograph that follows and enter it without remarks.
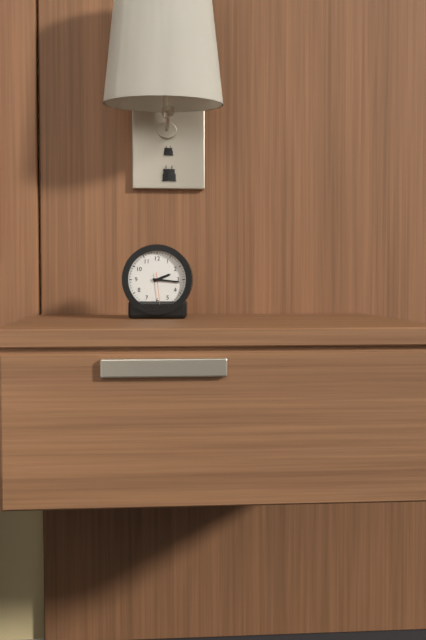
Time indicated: 2:16
